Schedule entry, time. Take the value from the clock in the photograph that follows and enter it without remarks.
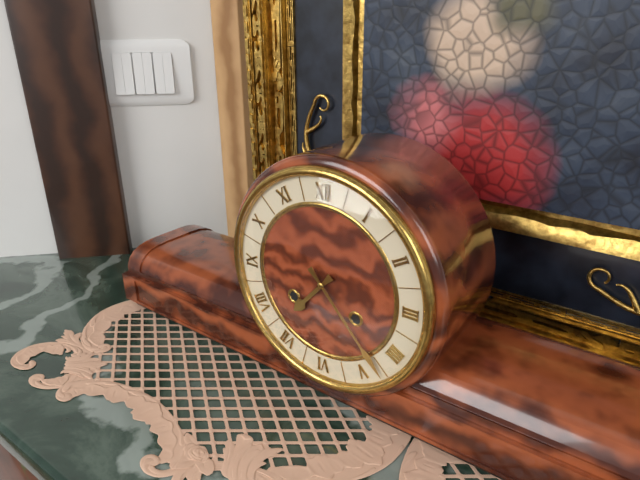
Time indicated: 7:23
